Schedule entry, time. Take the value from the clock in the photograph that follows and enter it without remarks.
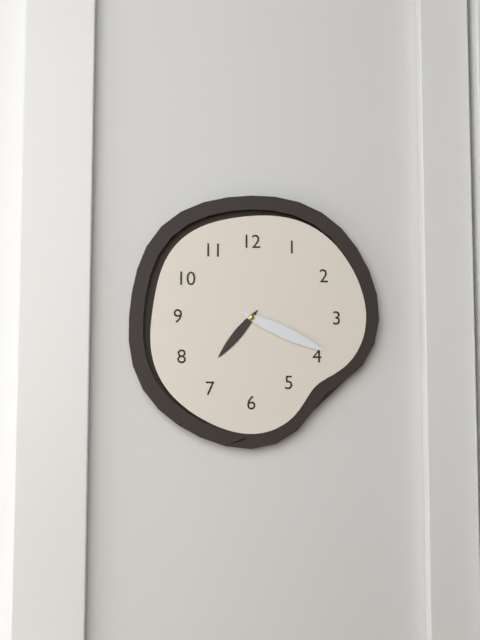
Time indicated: 7:19
